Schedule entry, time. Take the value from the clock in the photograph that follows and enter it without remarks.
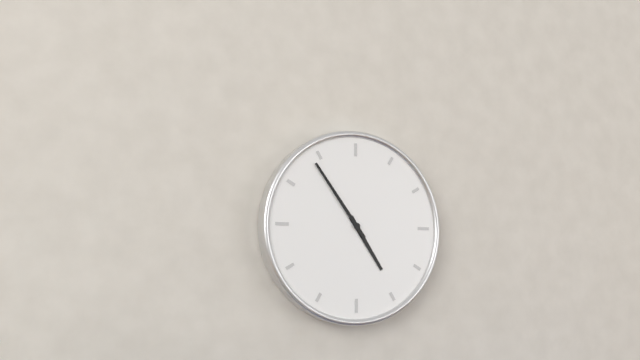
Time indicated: 4:54
